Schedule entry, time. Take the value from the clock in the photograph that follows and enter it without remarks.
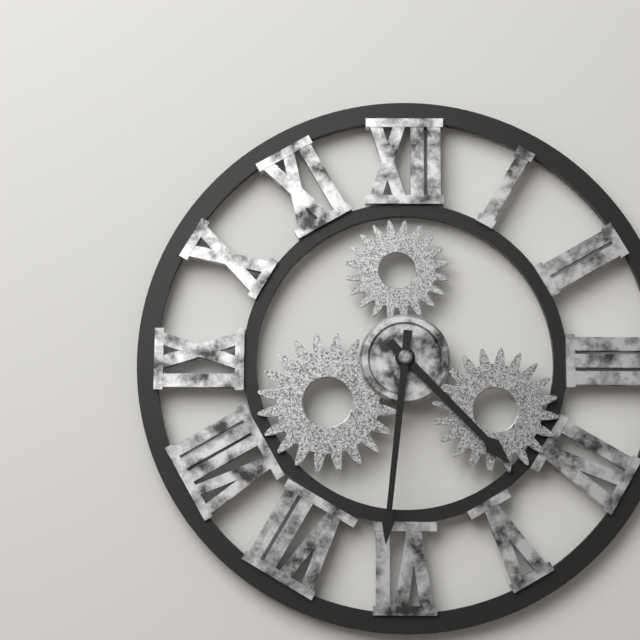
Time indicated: 4:31
